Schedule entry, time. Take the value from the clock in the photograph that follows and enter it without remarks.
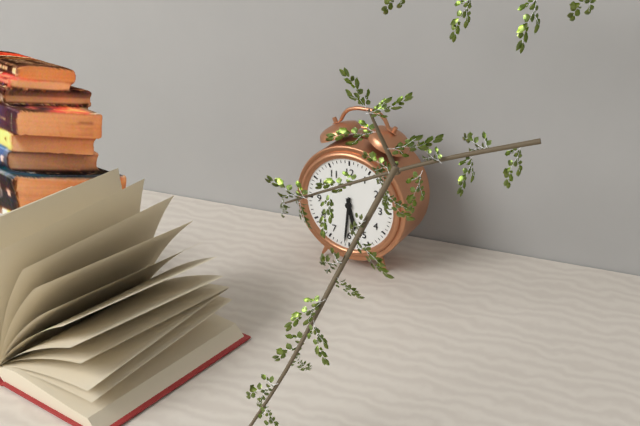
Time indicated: 5:31
